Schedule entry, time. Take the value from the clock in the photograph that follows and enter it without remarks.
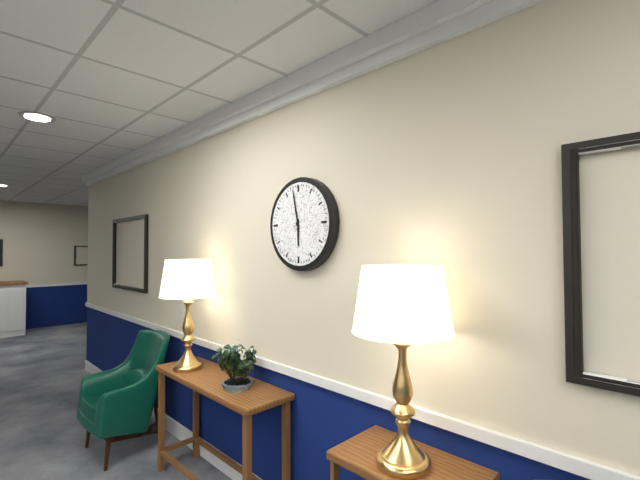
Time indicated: 5:58
